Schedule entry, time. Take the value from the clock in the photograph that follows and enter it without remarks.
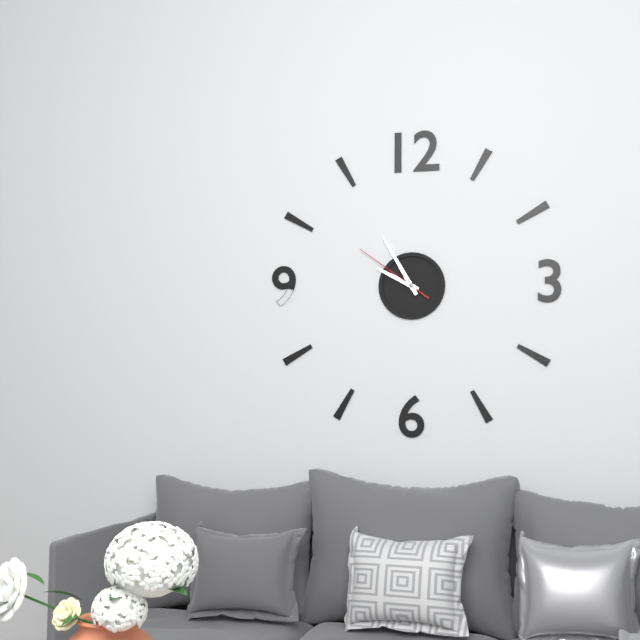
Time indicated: 9:55:51
